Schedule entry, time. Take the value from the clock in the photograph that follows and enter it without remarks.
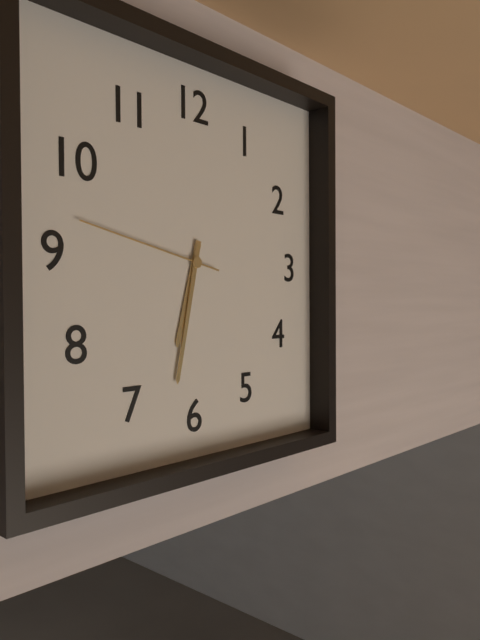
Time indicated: 6:32:47
